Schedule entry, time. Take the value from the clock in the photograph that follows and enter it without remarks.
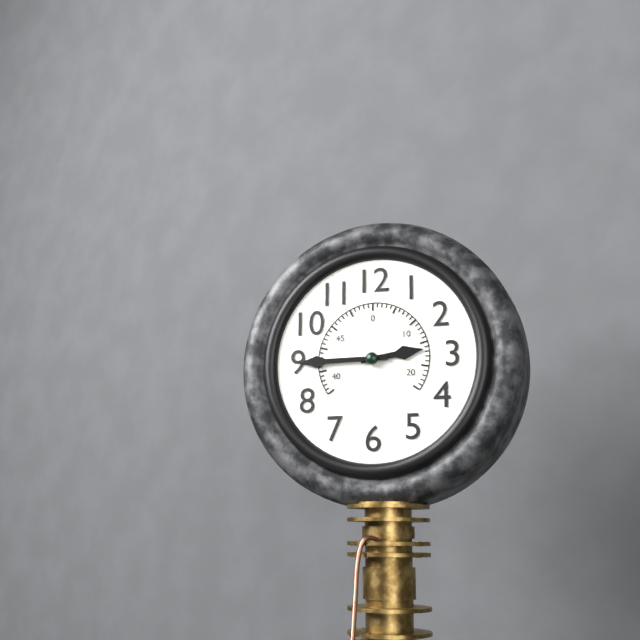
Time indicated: 2:45
